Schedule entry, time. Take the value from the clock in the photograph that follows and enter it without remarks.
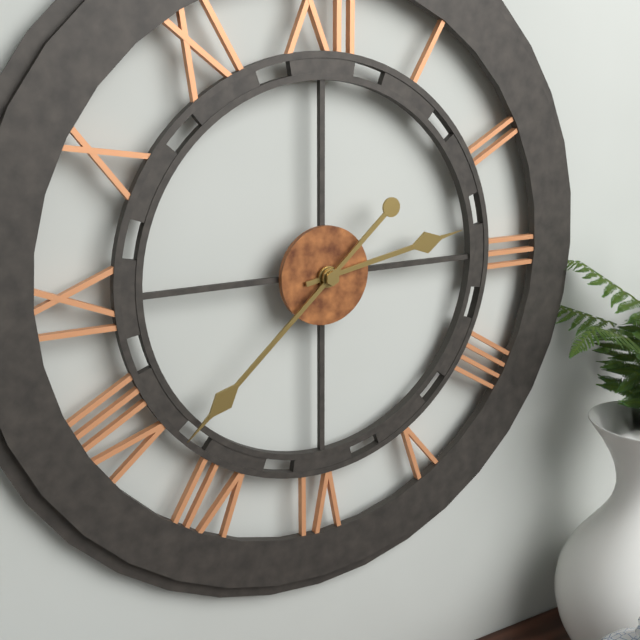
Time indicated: 2:38
